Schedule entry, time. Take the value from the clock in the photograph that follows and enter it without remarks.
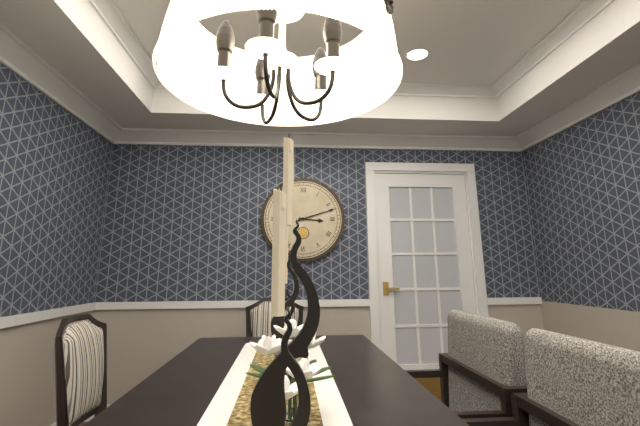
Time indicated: 3:12
